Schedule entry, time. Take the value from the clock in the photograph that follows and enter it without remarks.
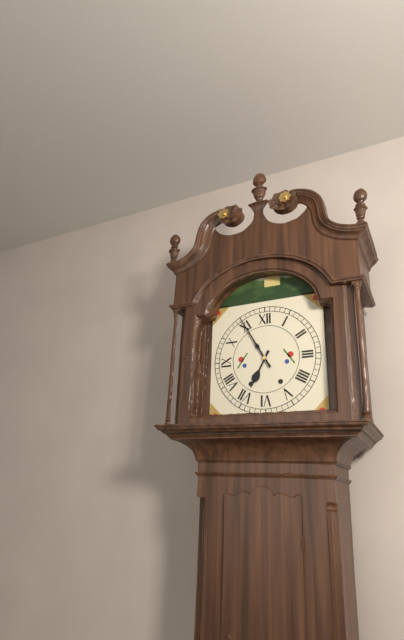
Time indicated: 6:55
